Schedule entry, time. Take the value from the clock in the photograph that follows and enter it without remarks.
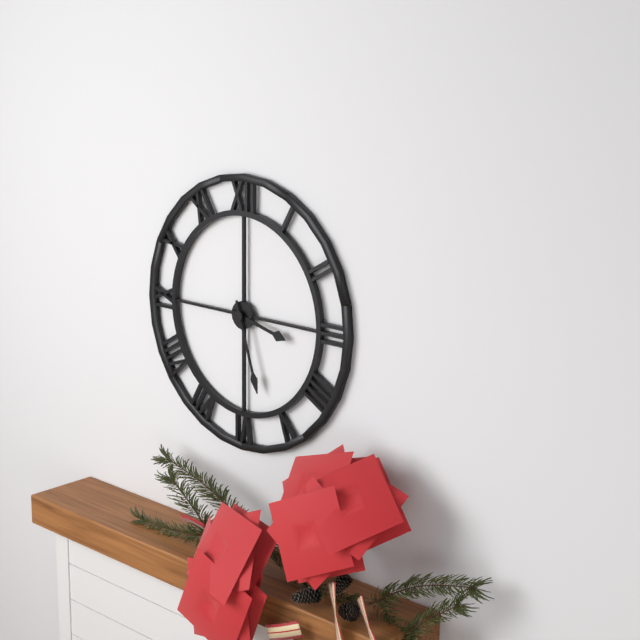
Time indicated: 3:27
